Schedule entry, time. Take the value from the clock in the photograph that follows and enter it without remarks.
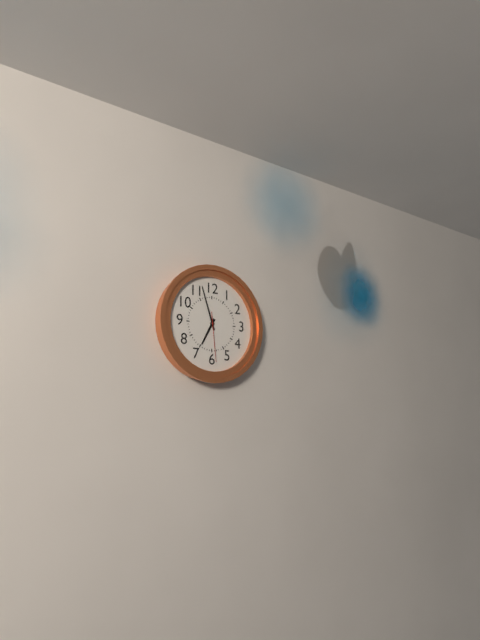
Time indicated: 6:57
